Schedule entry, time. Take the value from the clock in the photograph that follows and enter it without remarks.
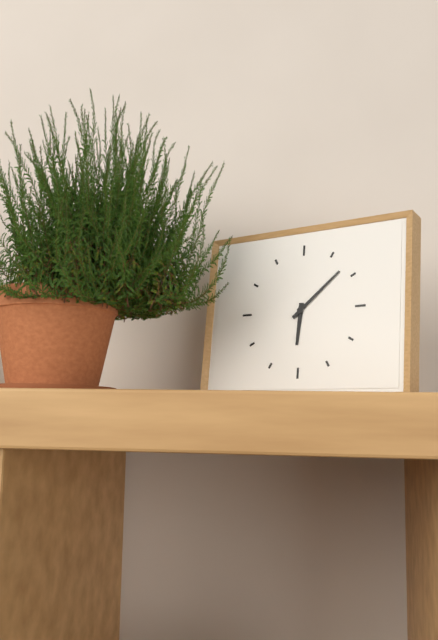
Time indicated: 6:08
